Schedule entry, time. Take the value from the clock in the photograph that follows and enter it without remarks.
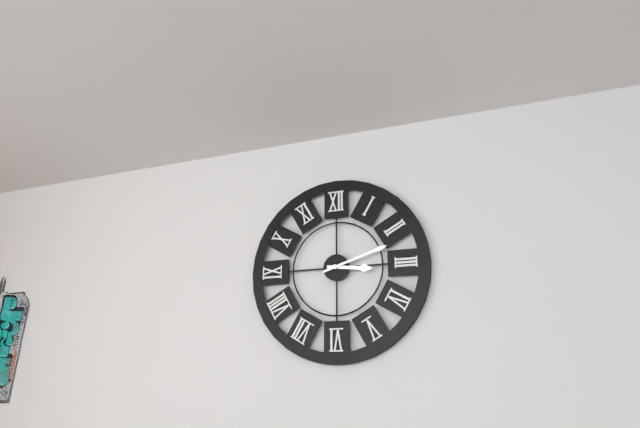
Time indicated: 3:12
